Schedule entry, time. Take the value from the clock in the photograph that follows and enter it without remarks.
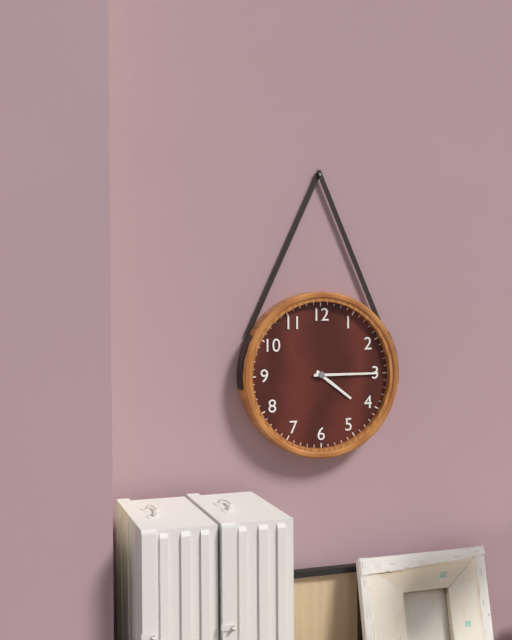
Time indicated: 4:15
